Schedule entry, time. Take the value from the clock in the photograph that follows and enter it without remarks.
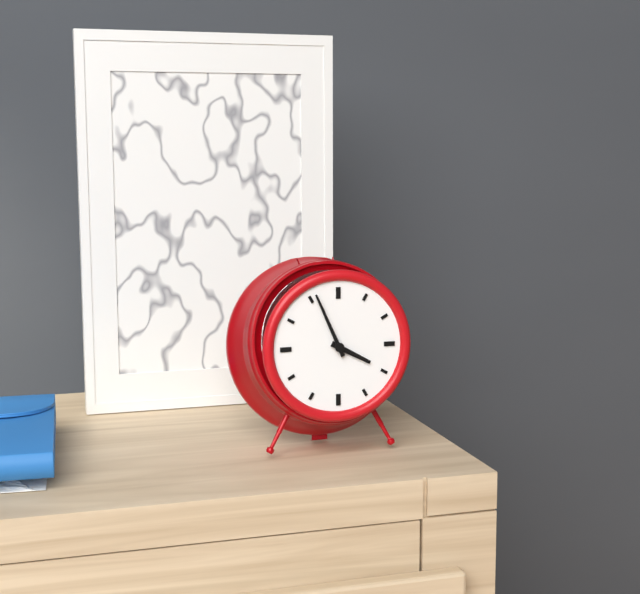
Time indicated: 3:56
